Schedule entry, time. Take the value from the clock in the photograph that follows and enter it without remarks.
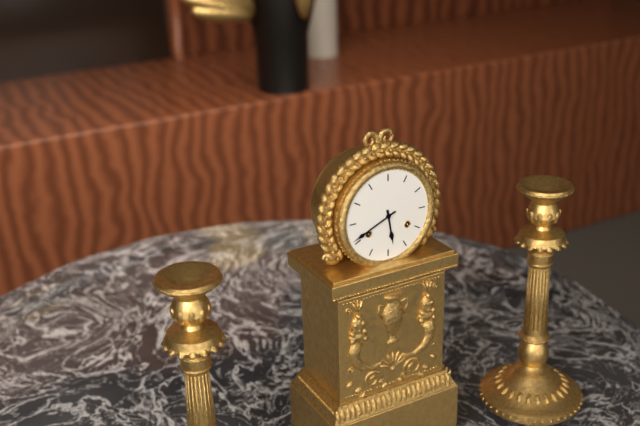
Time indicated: 5:41
